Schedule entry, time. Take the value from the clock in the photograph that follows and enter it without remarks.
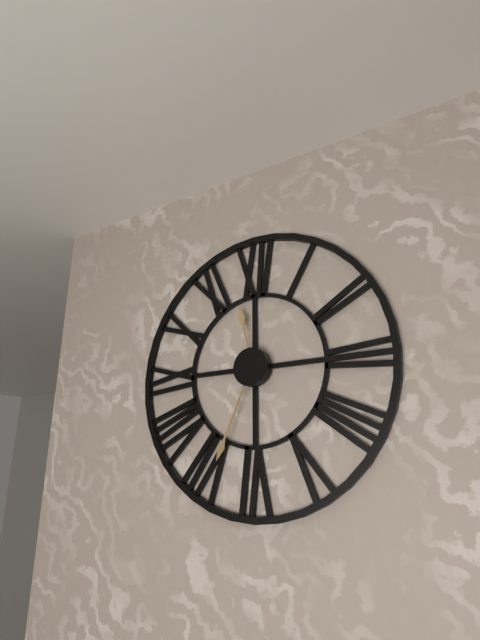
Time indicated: 11:34
